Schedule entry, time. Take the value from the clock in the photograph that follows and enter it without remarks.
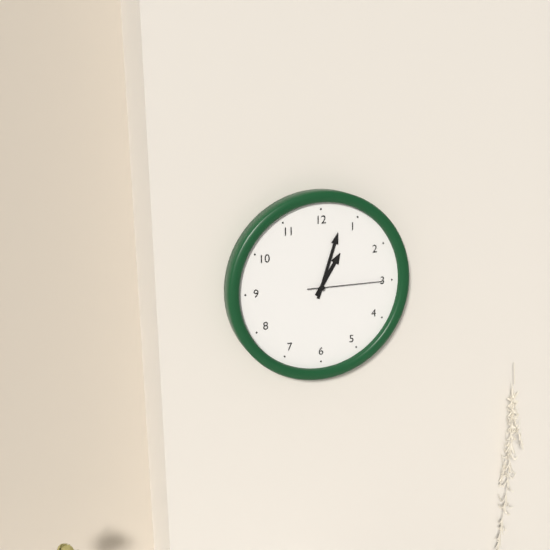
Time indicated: 1:03:15
